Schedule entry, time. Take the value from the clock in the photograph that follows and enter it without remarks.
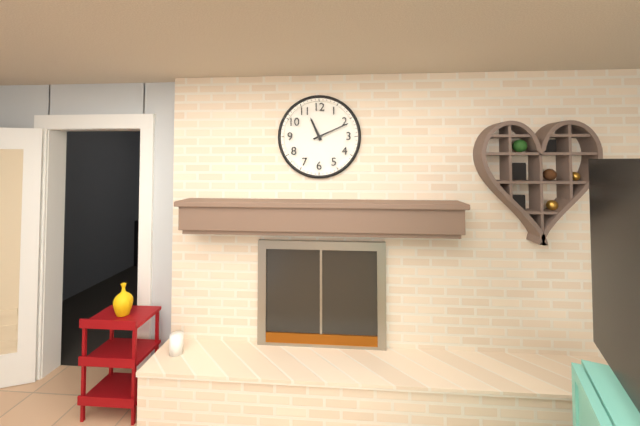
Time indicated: 11:11
